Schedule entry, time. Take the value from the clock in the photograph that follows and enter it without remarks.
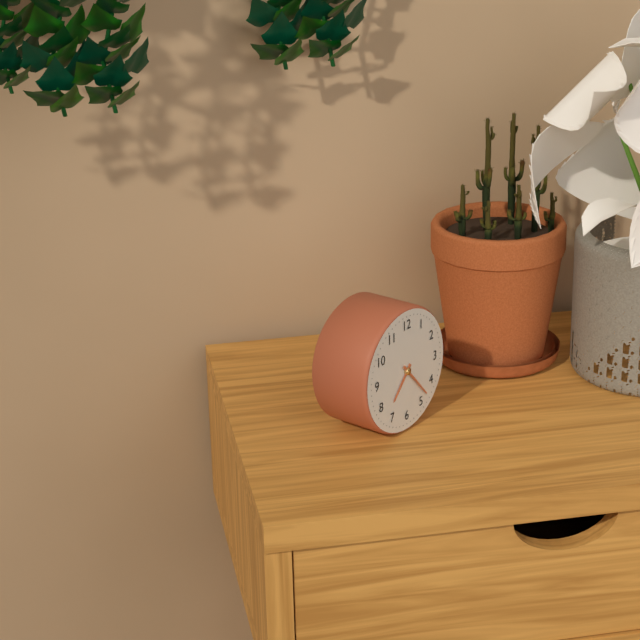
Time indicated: 7:23
